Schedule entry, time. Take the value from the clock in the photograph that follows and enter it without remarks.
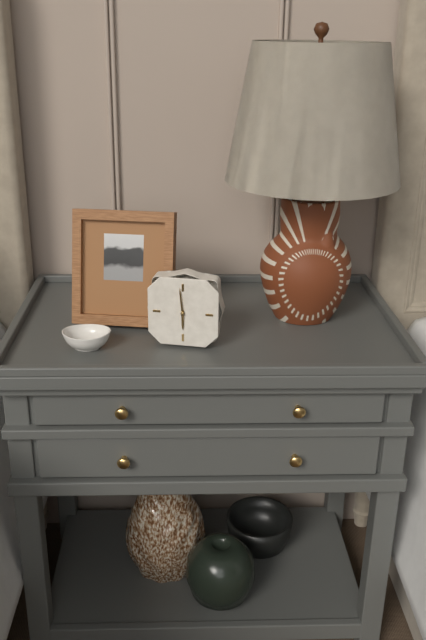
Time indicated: 5:59
